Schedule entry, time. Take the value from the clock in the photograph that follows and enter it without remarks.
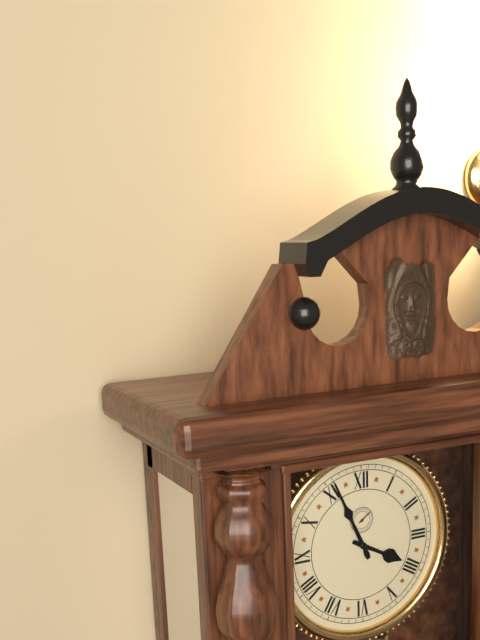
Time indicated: 3:56
